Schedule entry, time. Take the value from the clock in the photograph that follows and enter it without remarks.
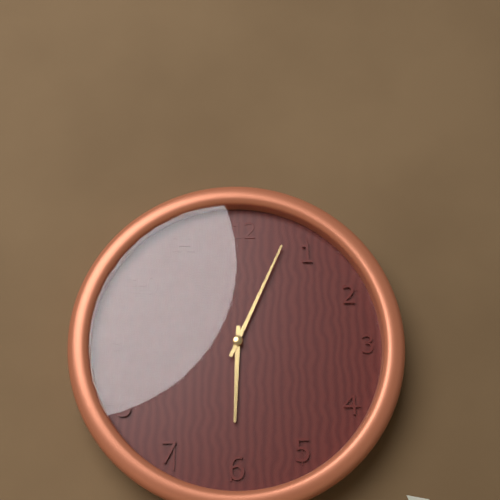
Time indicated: 6:04
